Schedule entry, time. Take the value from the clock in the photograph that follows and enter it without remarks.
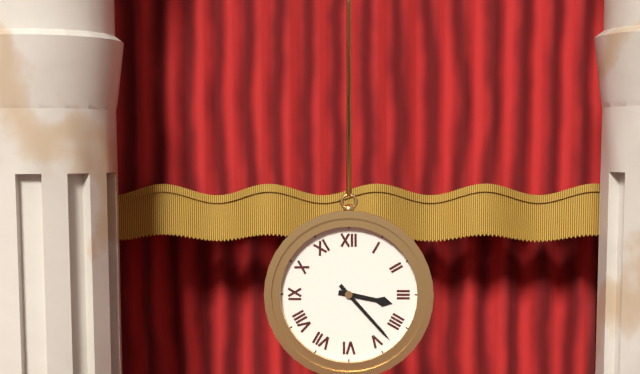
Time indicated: 3:23
